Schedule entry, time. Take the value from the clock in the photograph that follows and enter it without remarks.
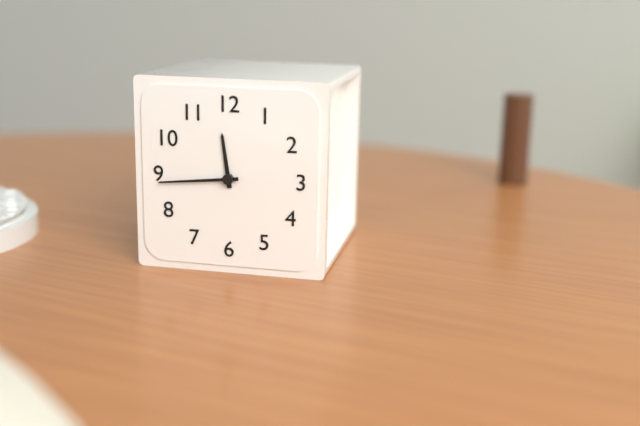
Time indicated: 11:44
